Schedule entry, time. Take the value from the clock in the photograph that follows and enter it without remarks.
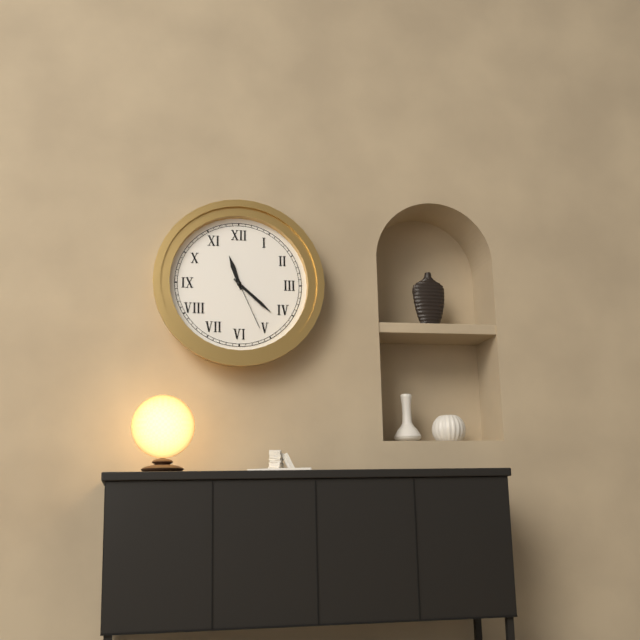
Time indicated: 11:22:26
